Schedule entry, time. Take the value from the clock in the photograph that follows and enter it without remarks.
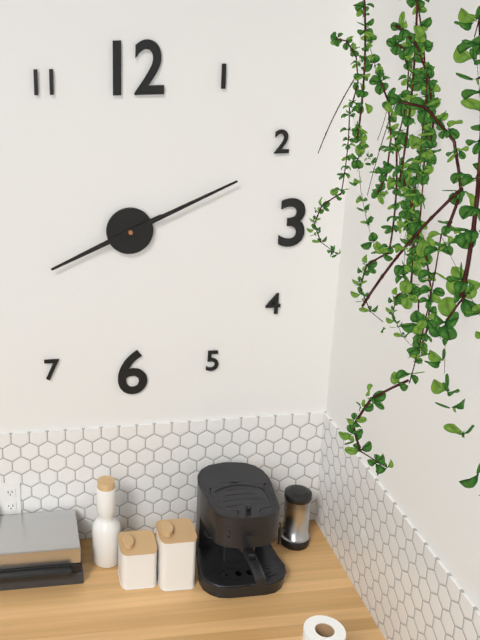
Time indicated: 8:11
